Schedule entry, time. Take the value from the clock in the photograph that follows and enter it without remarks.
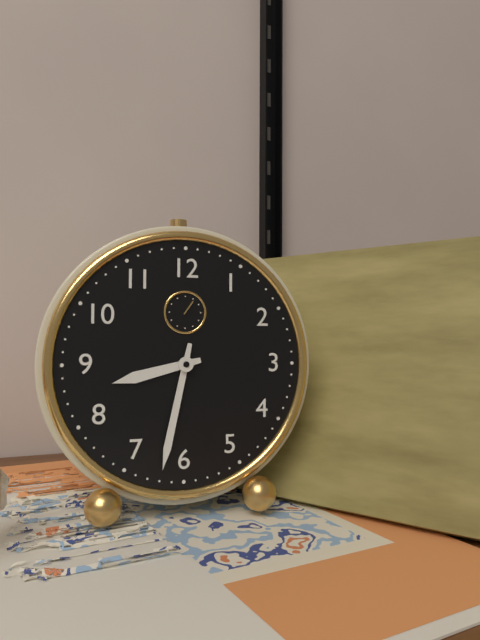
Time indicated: 8:32
